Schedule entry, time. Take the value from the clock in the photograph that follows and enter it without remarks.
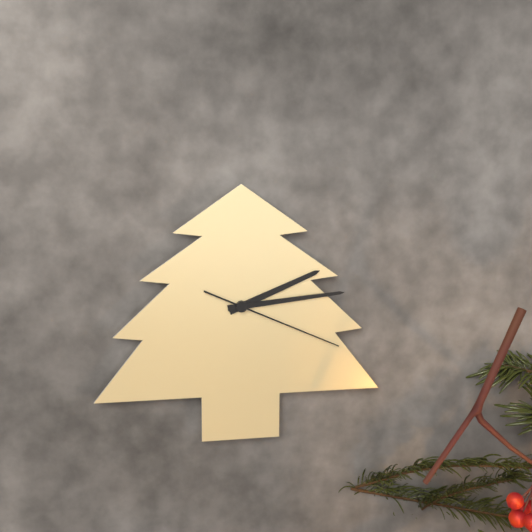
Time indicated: 2:14:19
